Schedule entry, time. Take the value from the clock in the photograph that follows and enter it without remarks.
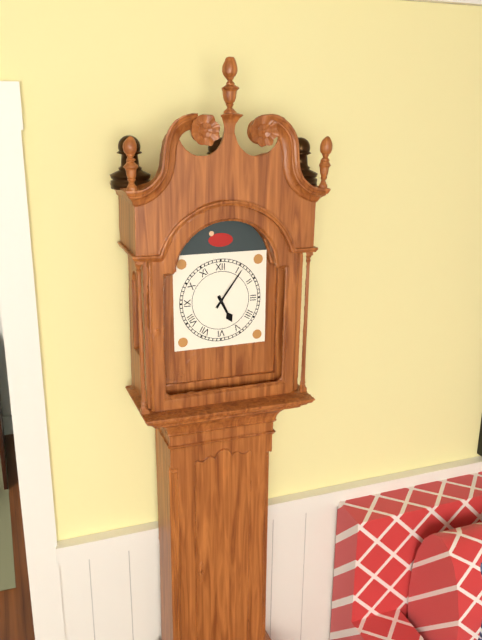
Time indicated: 5:06
